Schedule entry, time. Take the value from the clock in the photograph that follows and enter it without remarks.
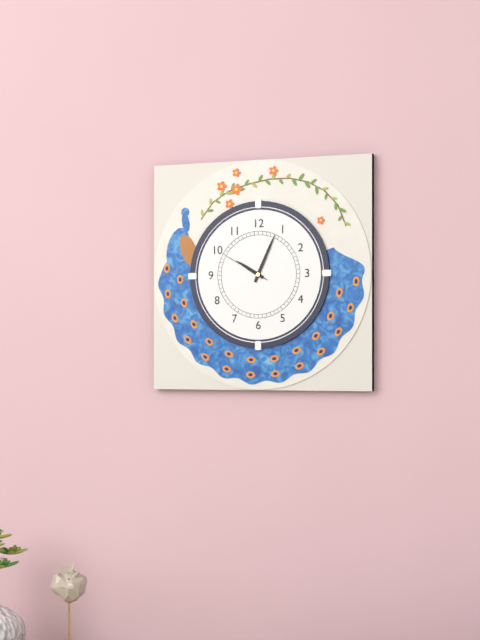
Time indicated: 10:04
